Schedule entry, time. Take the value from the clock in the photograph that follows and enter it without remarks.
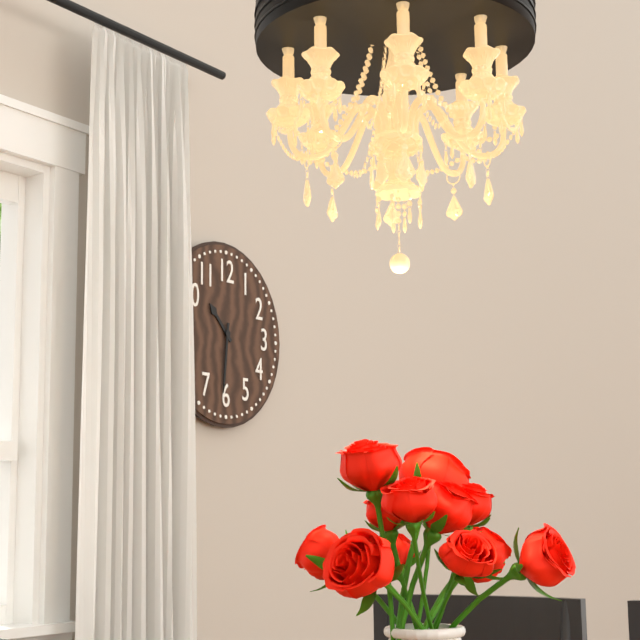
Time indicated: 10:31
